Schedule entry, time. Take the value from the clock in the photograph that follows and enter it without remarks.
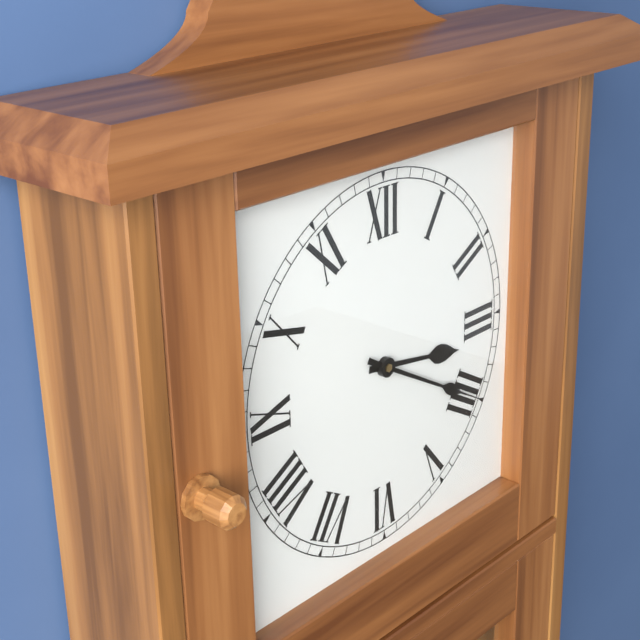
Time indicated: 3:20
